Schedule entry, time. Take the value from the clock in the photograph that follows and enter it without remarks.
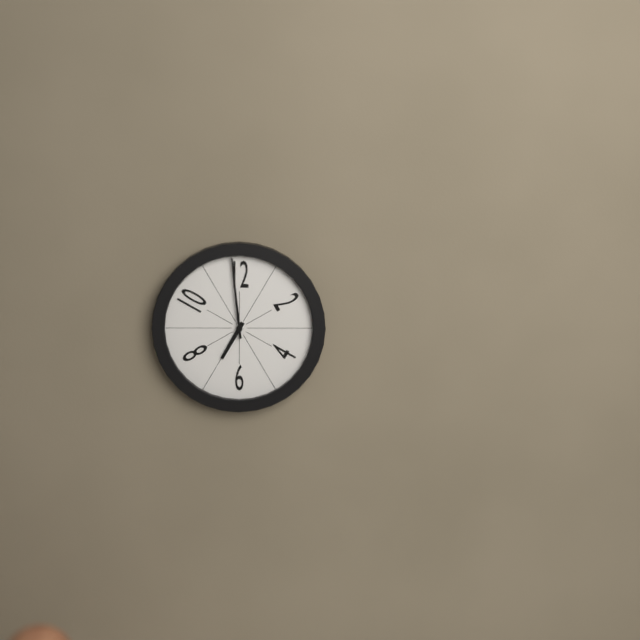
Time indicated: 6:59
